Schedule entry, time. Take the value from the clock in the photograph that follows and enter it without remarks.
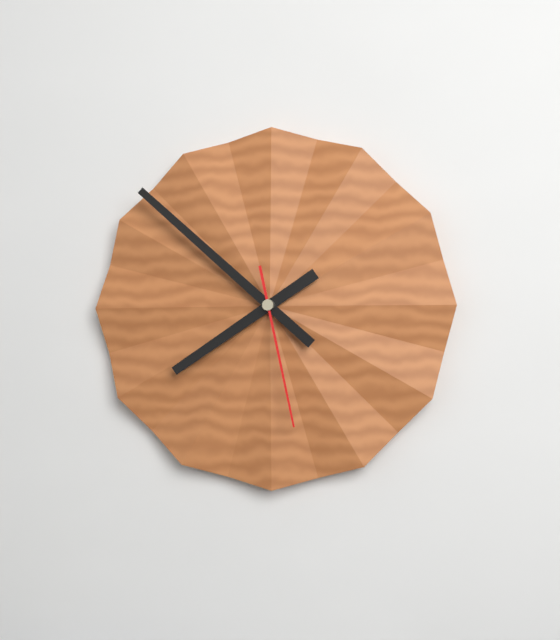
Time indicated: 7:52:28
